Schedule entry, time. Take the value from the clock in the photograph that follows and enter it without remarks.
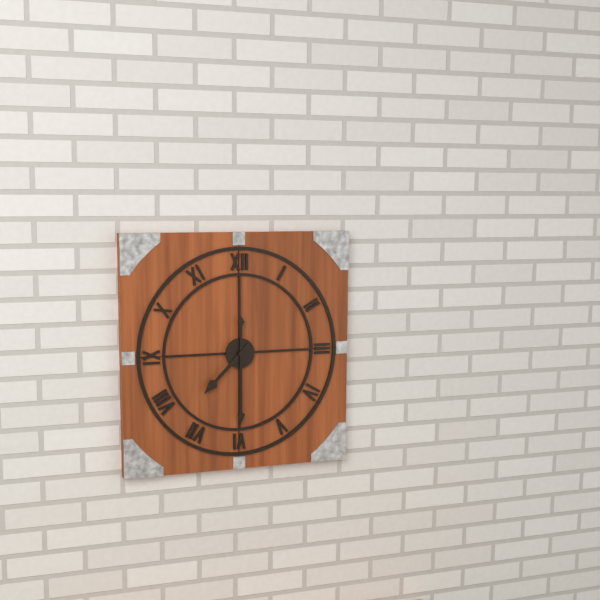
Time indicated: 7:30
